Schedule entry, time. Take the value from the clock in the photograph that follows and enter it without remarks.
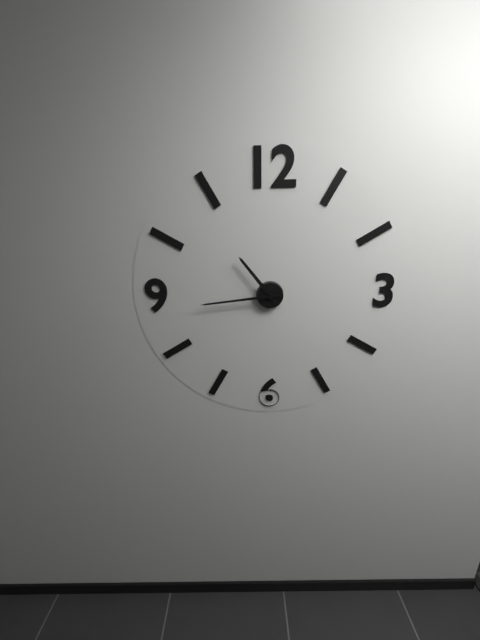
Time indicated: 10:44
